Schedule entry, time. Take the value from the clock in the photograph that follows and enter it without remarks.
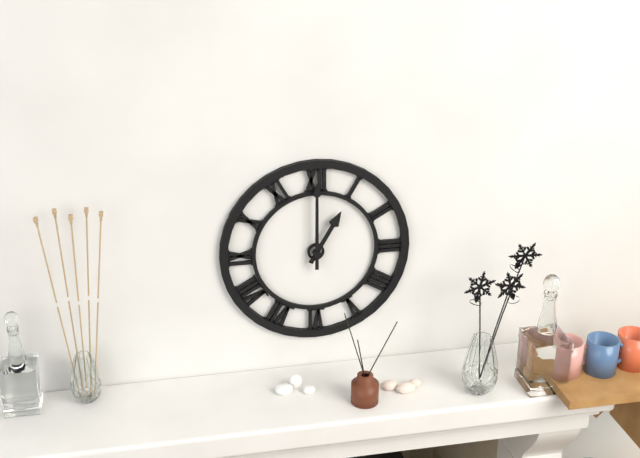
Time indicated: 1:00
